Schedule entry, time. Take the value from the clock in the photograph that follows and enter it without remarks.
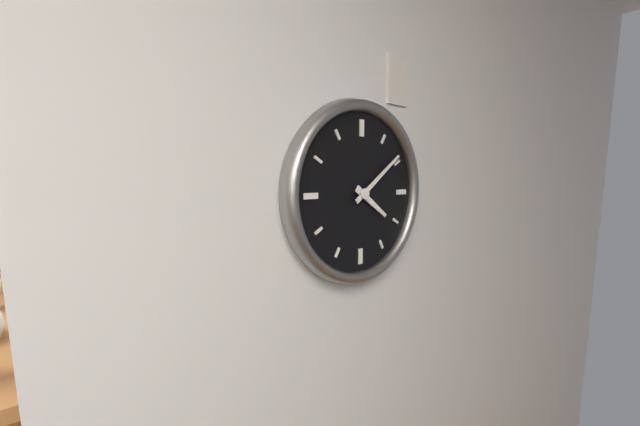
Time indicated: 4:09
